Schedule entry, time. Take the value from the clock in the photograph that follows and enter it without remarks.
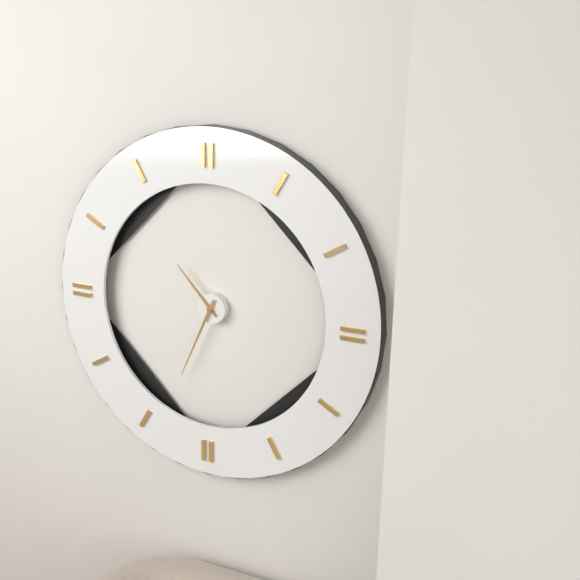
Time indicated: 10:34
